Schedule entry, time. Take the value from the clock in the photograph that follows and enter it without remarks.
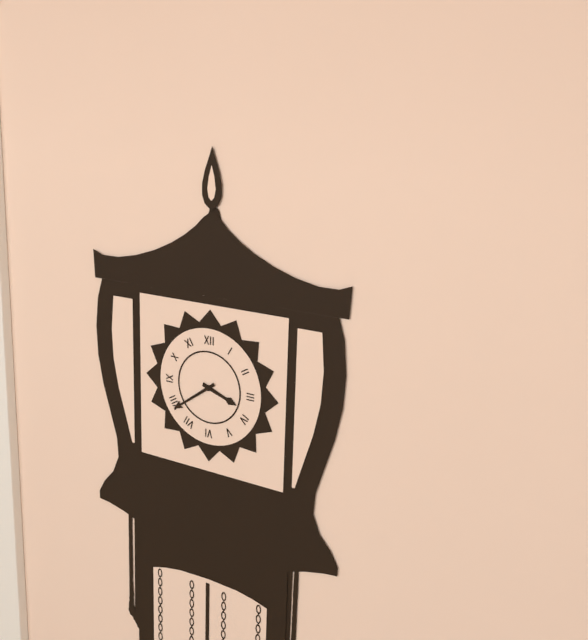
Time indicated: 3:39
